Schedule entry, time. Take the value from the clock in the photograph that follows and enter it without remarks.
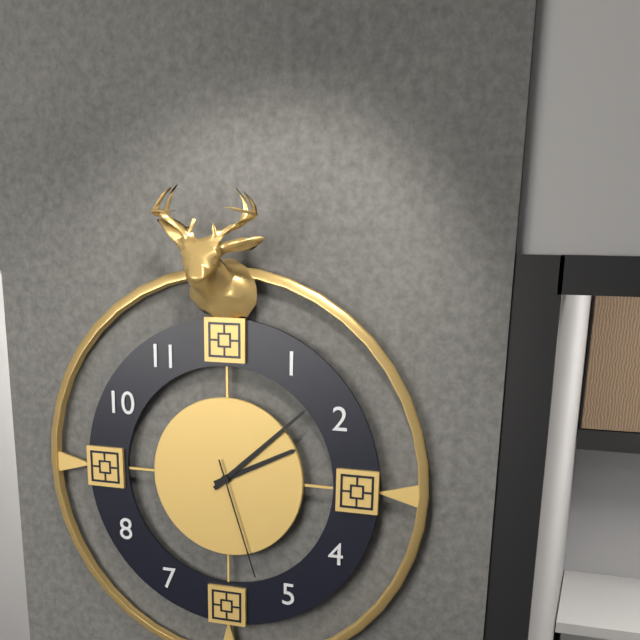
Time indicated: 2:08:27
